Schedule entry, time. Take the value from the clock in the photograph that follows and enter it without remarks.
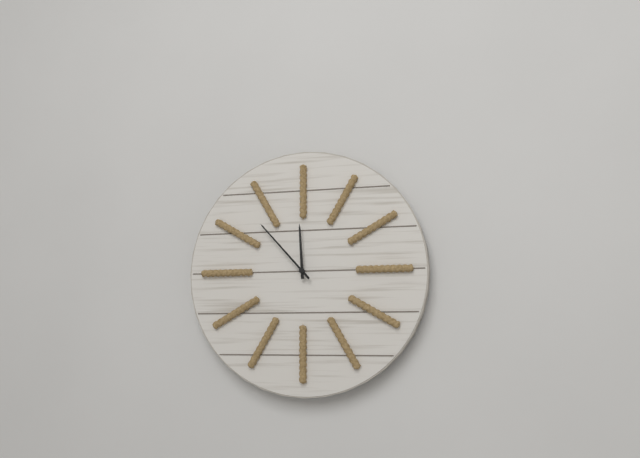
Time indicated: 11:53
